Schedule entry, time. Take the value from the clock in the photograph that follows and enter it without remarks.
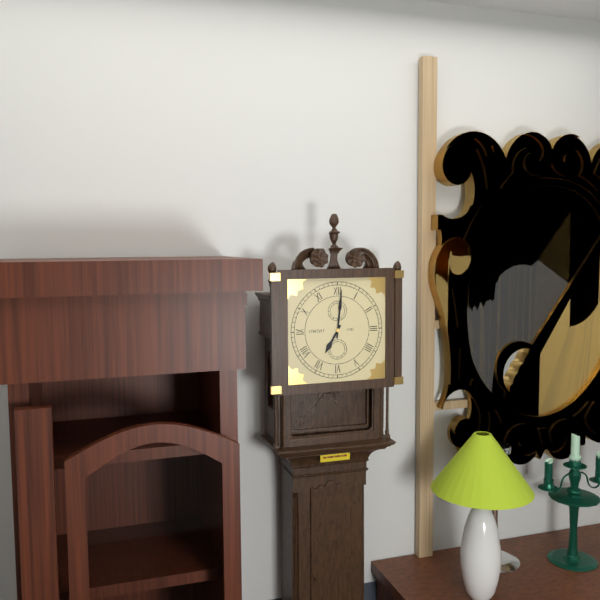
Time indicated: 7:01
